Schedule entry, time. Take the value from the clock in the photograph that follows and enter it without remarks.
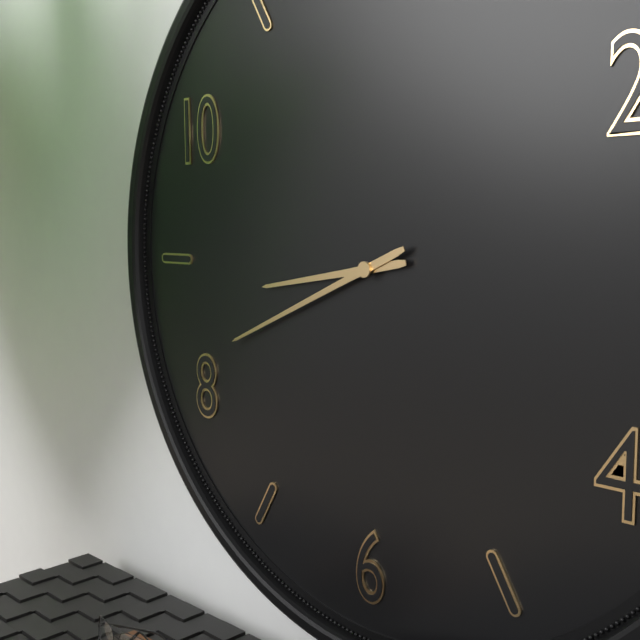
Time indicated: 8:41
